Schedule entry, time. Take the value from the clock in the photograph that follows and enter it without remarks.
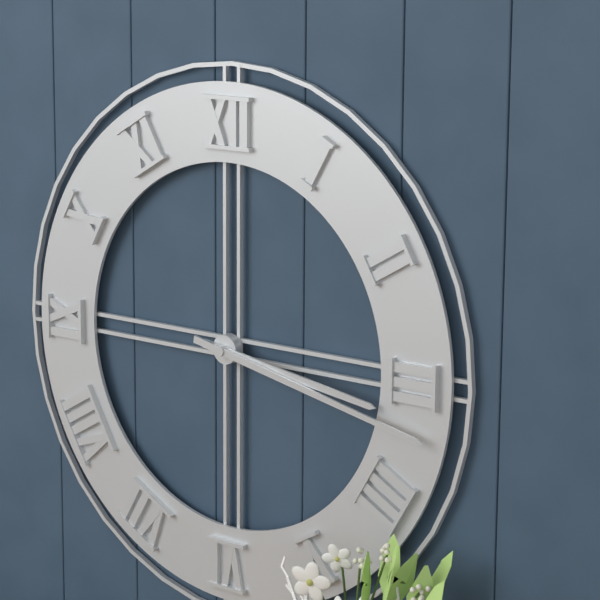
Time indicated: 3:17
